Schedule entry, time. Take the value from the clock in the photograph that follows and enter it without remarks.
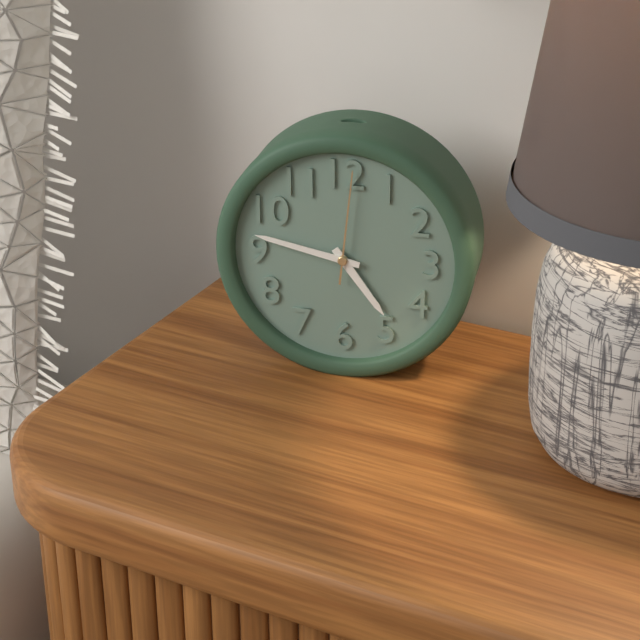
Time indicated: 4:47:01
